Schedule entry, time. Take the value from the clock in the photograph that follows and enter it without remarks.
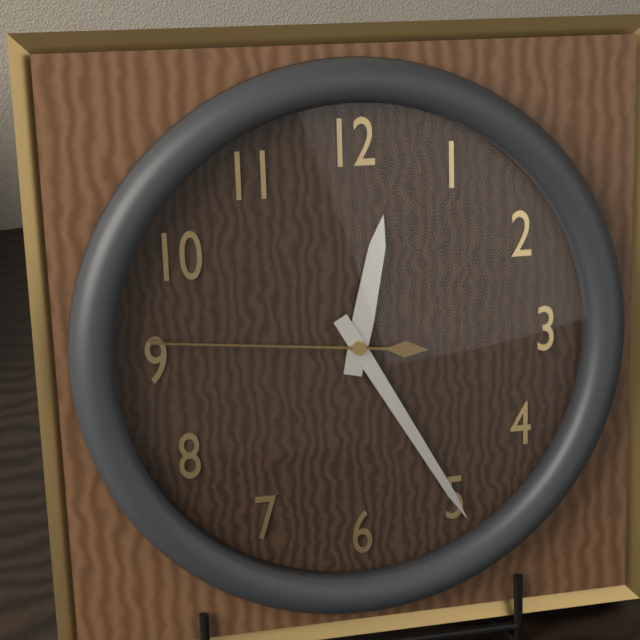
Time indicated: 12:25:46
